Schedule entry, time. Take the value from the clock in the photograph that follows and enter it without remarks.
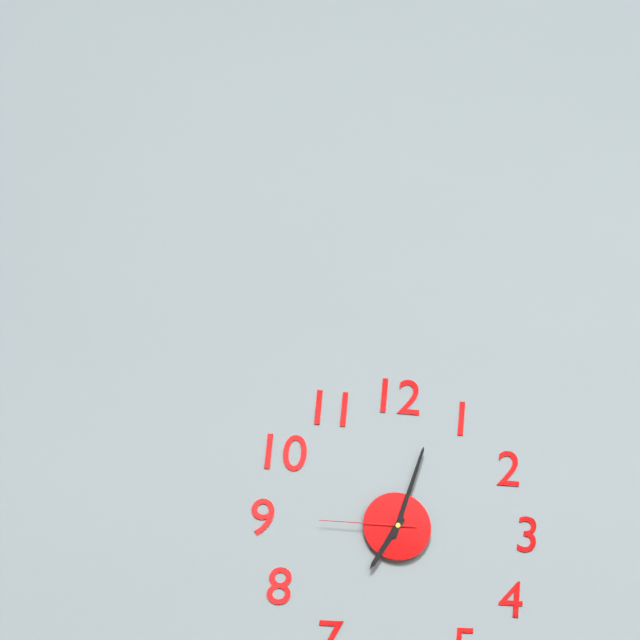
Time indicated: 7:03:45
